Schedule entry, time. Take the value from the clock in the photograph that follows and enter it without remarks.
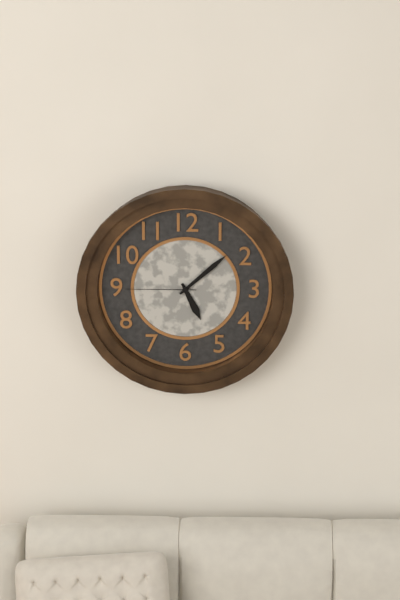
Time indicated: 5:08:45
